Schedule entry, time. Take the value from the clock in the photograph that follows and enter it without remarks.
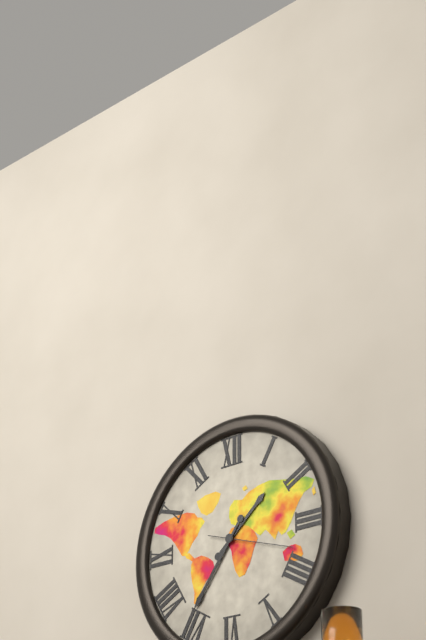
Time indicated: 1:36:18
